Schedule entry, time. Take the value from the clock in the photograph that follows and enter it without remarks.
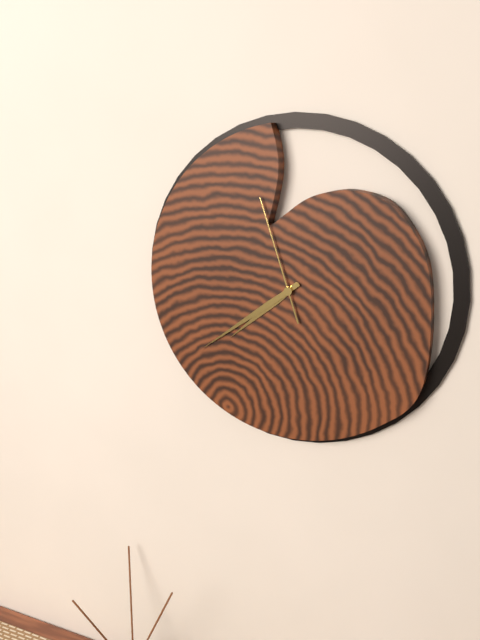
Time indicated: 7:39:57
